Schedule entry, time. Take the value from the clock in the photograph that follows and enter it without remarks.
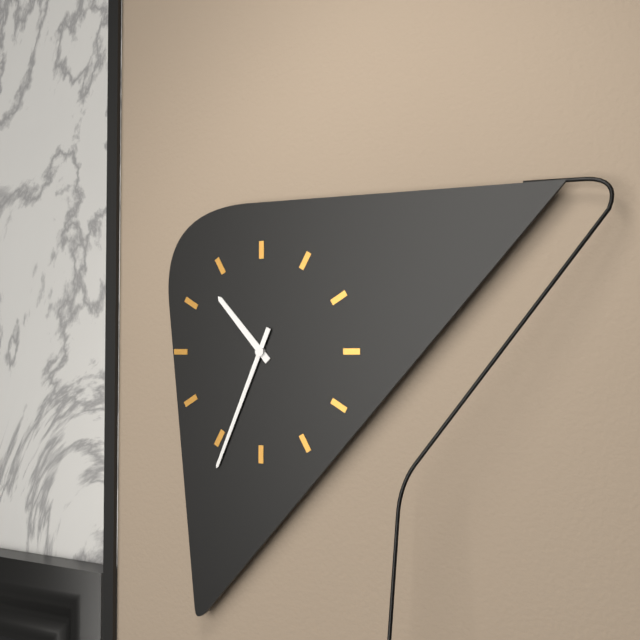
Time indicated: 10:34
